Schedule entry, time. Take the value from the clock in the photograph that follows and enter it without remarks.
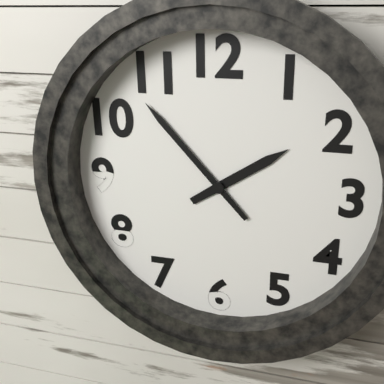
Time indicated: 1:53
